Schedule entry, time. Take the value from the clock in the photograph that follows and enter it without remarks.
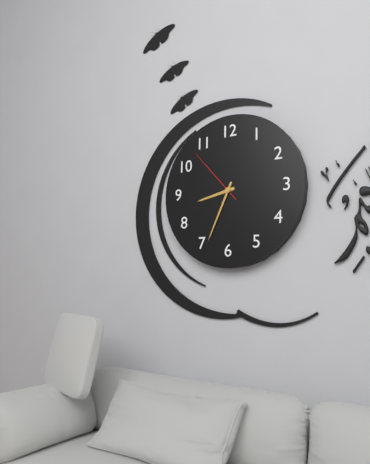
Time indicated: 8:34:53
